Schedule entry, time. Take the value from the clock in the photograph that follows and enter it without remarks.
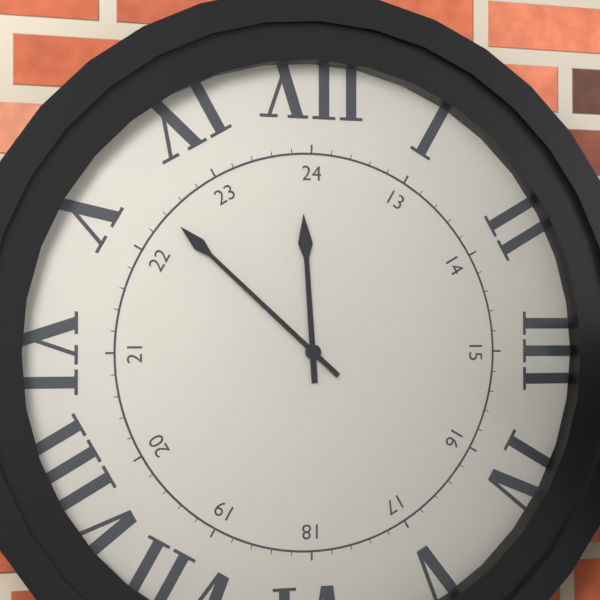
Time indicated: 11:52
